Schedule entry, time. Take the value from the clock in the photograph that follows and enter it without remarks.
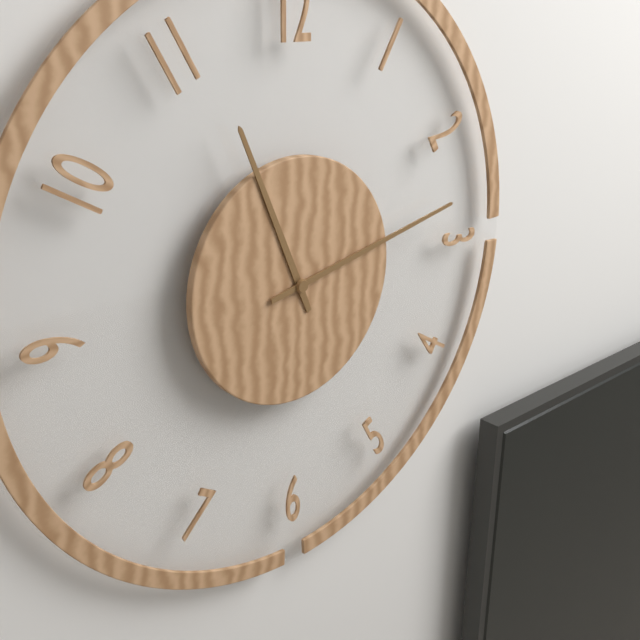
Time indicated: 11:13
